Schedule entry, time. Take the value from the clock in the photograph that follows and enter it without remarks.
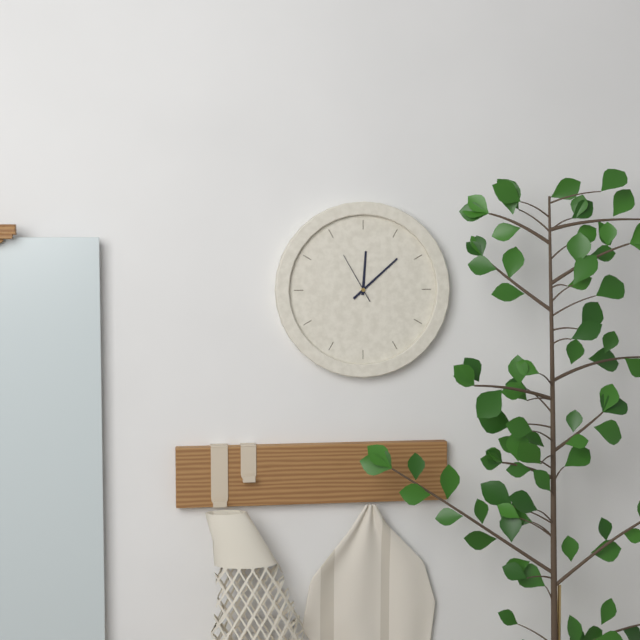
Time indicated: 12:08
